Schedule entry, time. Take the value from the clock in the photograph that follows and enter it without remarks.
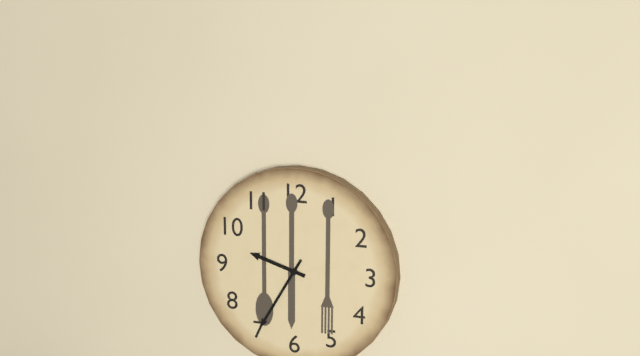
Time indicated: 9:35
